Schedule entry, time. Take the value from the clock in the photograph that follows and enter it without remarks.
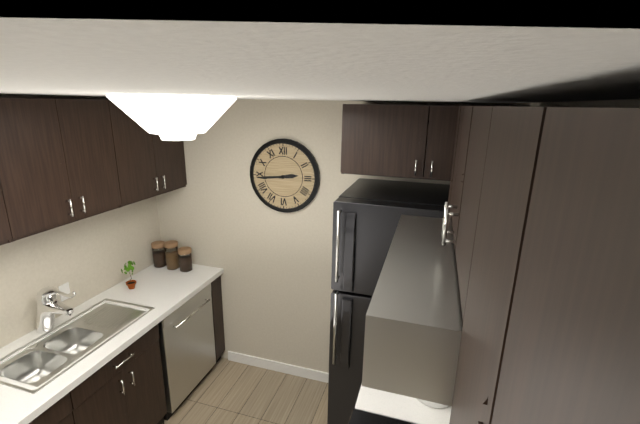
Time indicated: 2:44
